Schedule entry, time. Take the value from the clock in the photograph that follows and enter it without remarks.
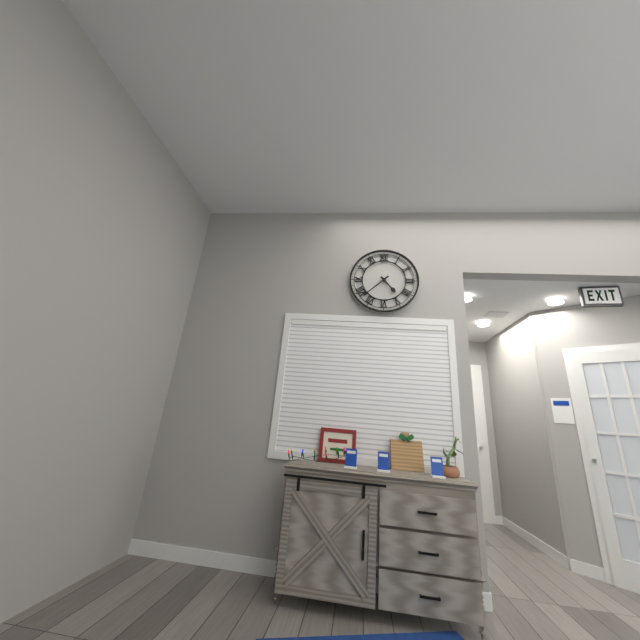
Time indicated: 4:38
